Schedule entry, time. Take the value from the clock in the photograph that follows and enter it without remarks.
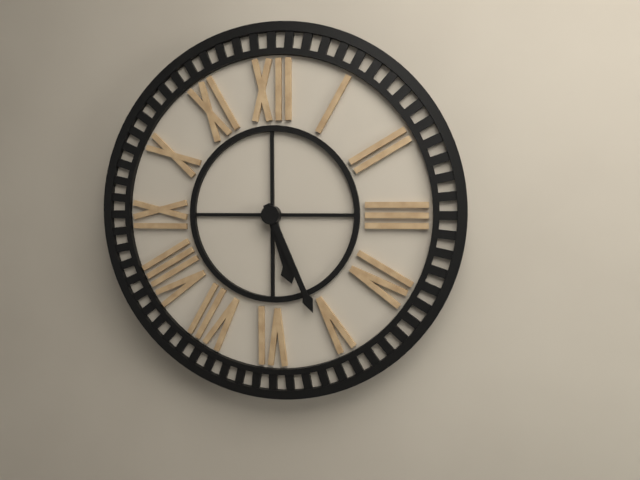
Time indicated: 5:26
